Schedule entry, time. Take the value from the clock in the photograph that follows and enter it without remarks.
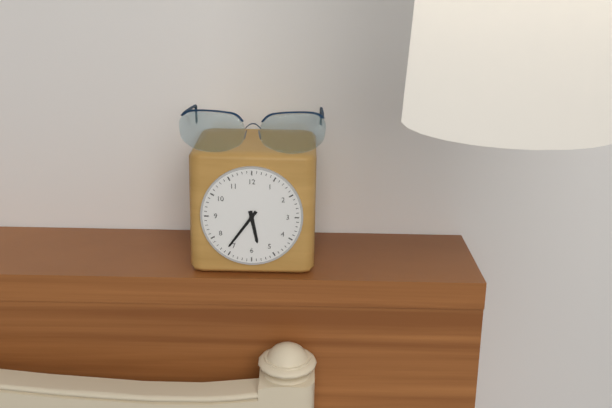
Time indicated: 5:36
